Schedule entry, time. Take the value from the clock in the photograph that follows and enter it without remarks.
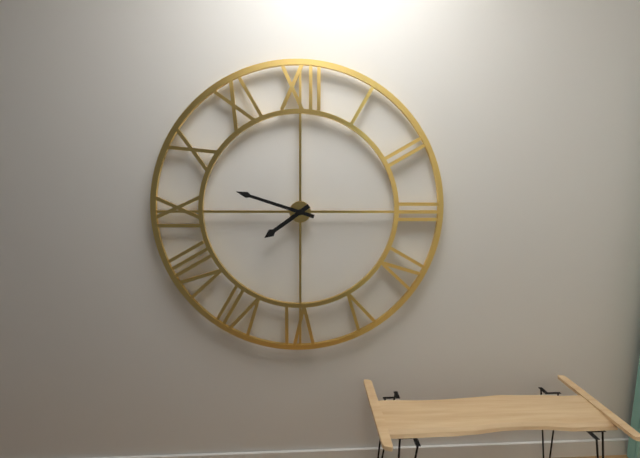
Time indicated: 7:48
